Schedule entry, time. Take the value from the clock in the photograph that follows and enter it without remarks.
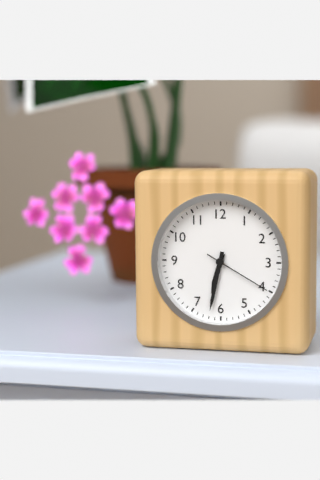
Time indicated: 6:32:20
